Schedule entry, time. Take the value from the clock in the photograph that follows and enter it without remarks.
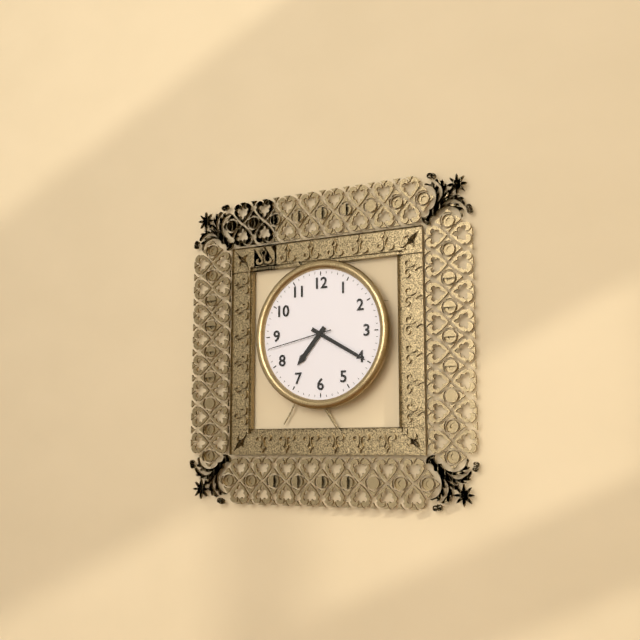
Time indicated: 7:20:43
